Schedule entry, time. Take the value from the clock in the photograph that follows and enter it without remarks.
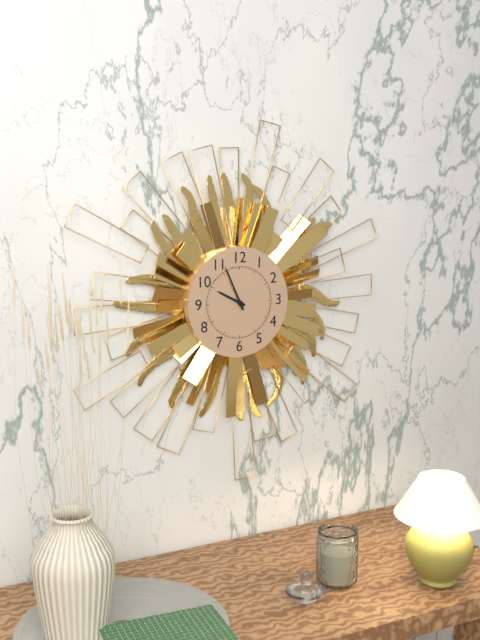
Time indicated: 9:56
